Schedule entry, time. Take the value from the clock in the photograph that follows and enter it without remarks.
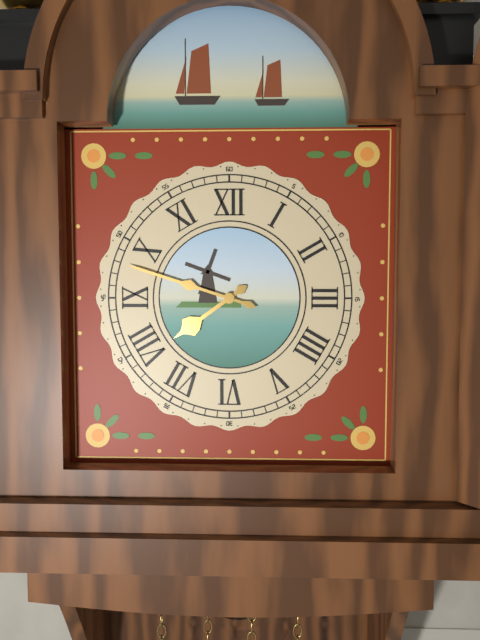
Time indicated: 7:48
